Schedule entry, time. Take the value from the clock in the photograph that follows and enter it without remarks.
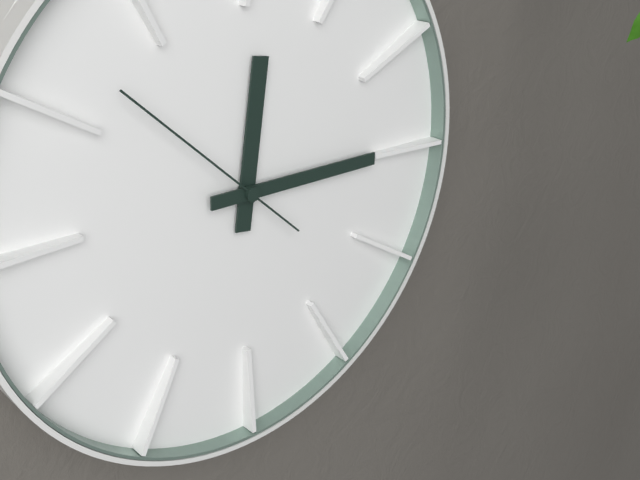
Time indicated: 12:15:52
